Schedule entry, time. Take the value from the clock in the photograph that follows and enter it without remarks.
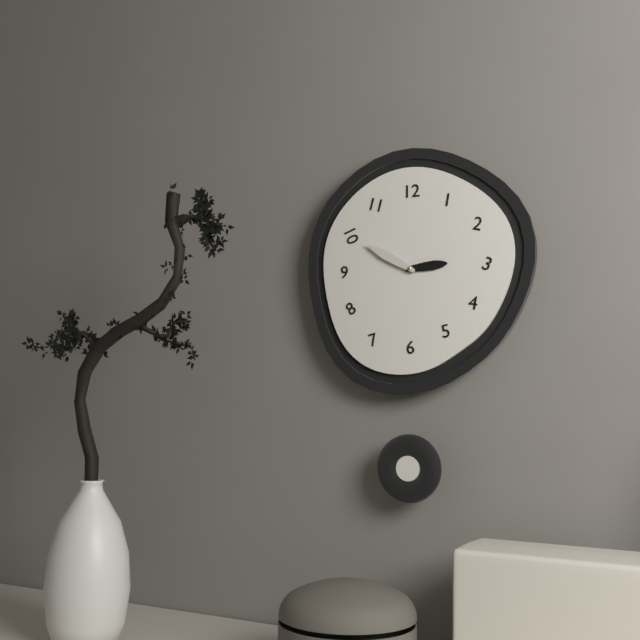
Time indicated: 2:50
